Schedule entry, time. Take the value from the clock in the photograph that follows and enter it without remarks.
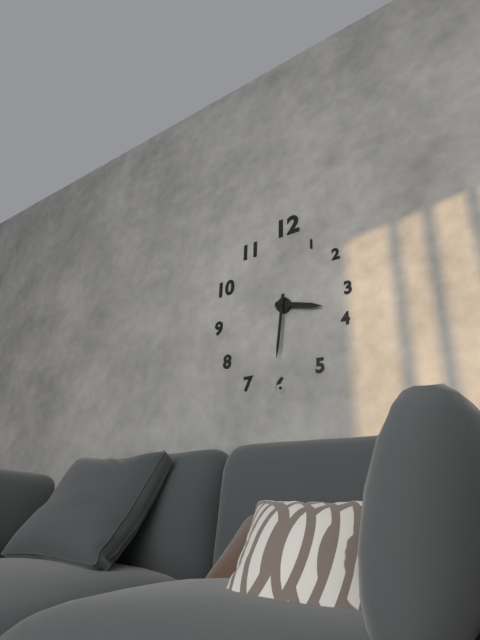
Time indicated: 3:31
